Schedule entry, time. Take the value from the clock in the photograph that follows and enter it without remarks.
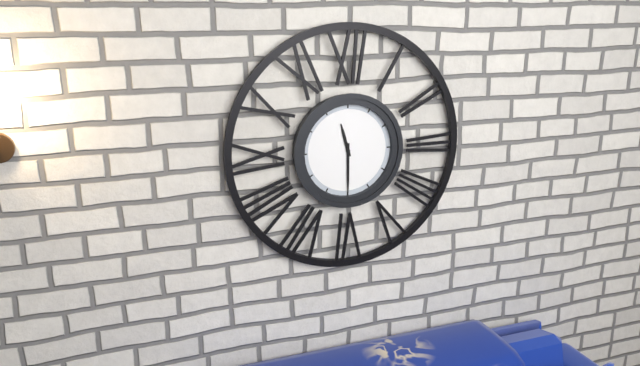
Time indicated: 11:30
